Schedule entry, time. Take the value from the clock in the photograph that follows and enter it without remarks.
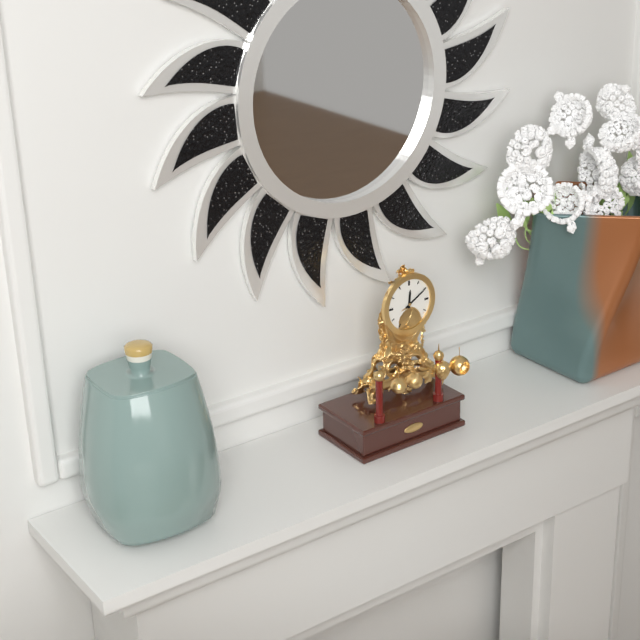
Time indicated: 12:10
